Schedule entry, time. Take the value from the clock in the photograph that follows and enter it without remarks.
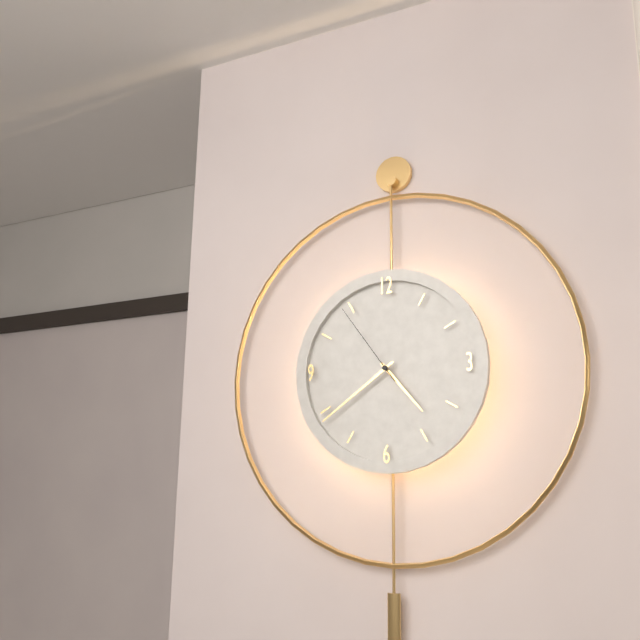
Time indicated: 4:39:54
